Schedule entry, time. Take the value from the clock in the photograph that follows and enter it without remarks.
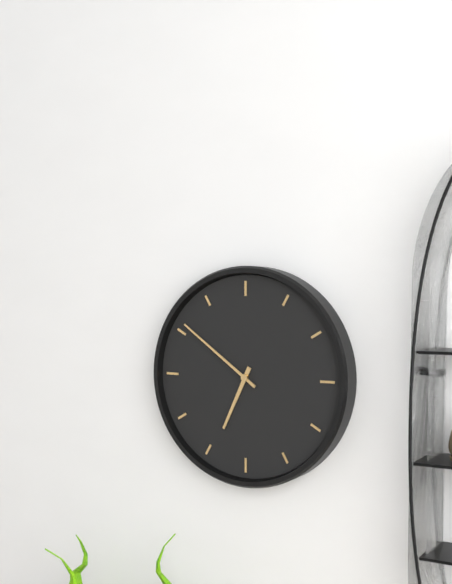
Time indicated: 6:51
